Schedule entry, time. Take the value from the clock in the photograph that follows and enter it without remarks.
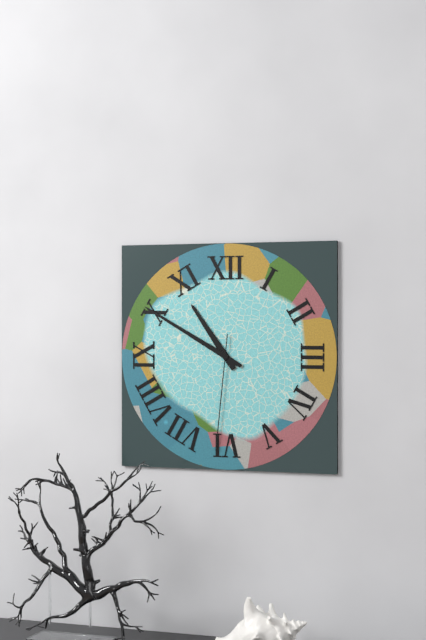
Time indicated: 10:50:31
